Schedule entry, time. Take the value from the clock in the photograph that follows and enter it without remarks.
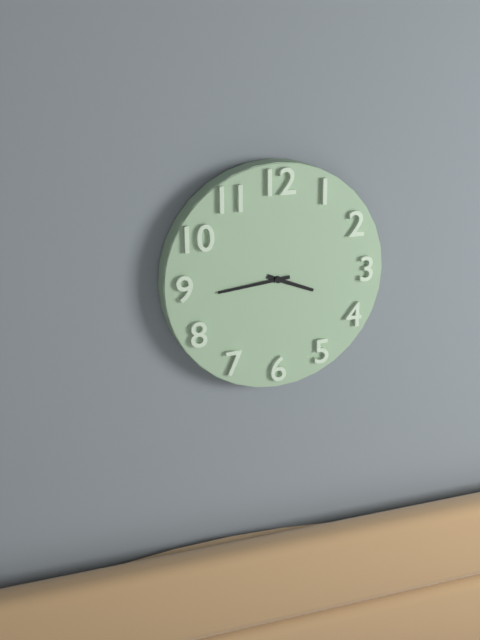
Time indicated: 3:44
